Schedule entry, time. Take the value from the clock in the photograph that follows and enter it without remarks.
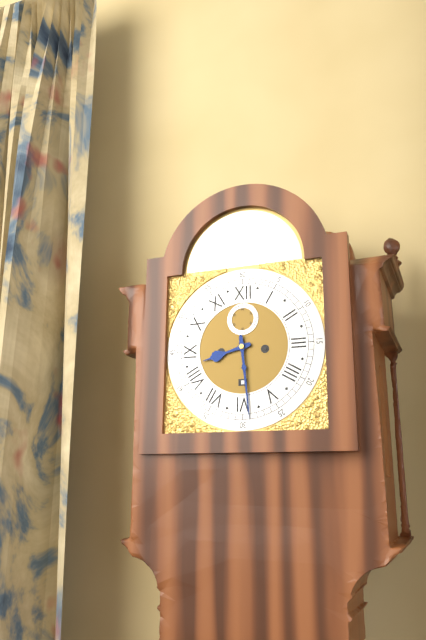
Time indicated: 8:29
